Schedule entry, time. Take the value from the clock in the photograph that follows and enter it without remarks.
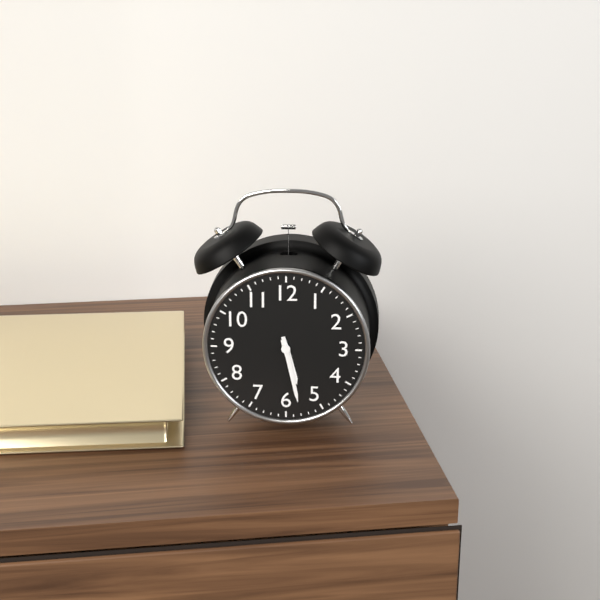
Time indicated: 5:28
